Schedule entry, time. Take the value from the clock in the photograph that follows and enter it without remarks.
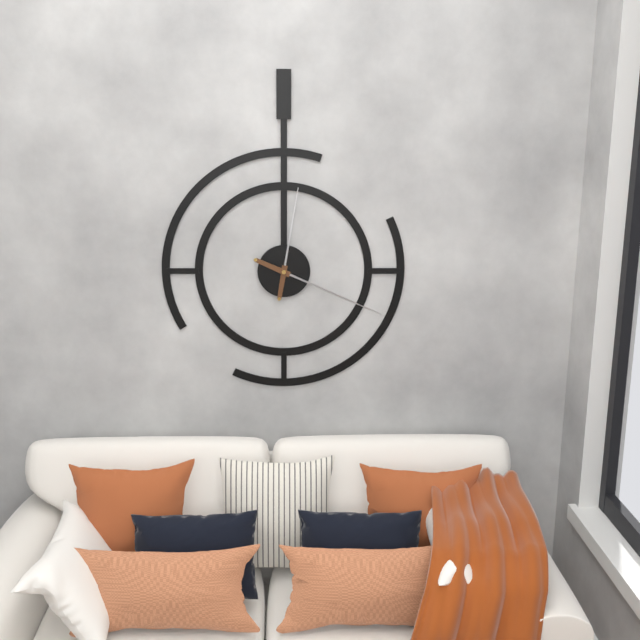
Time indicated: 12:19
